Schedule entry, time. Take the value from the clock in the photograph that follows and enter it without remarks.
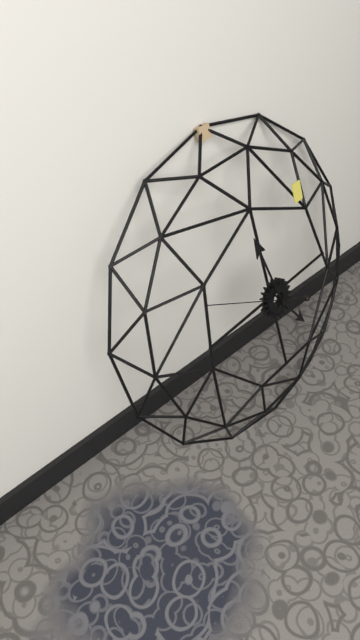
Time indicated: 4:58
